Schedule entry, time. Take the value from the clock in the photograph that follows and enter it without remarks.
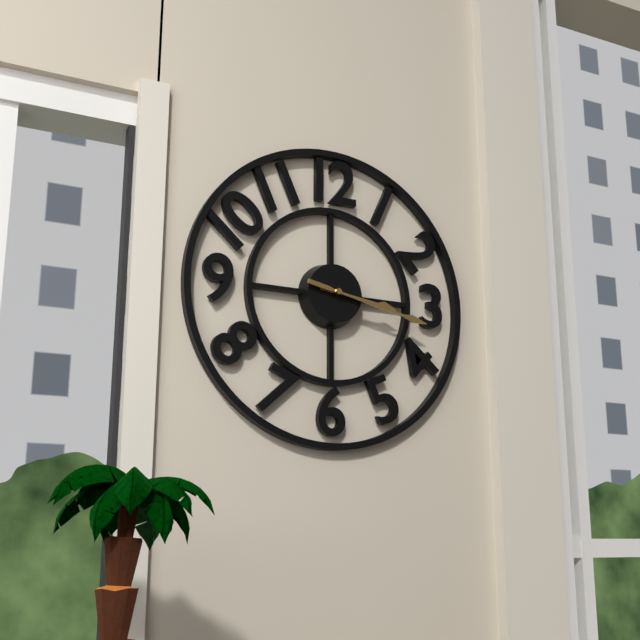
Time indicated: 3:17
